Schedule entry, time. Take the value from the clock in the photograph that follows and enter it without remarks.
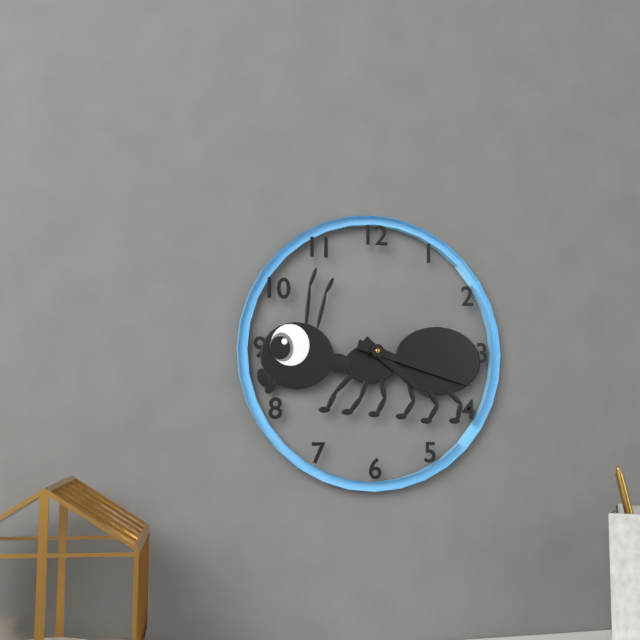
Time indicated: 4:18
